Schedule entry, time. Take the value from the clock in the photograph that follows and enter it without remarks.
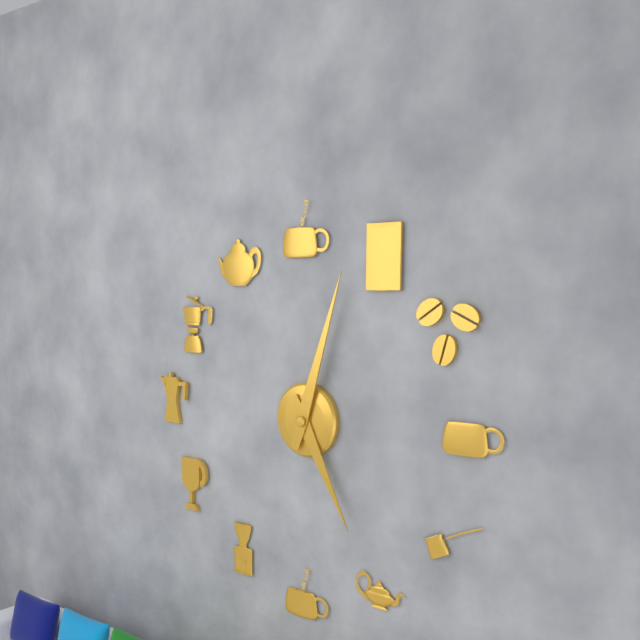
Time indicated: 5:03
